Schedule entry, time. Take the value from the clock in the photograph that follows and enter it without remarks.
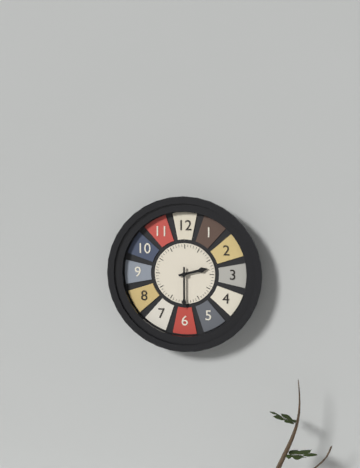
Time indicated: 2:30
